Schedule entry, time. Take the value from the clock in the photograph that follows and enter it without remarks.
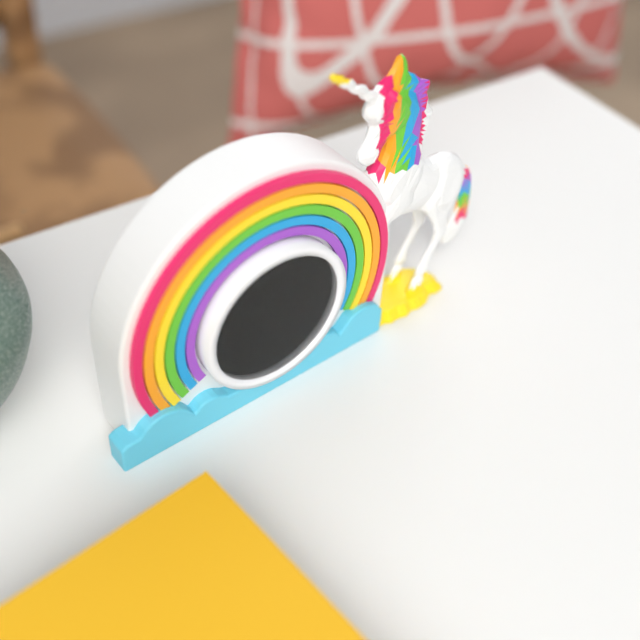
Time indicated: 4:09
